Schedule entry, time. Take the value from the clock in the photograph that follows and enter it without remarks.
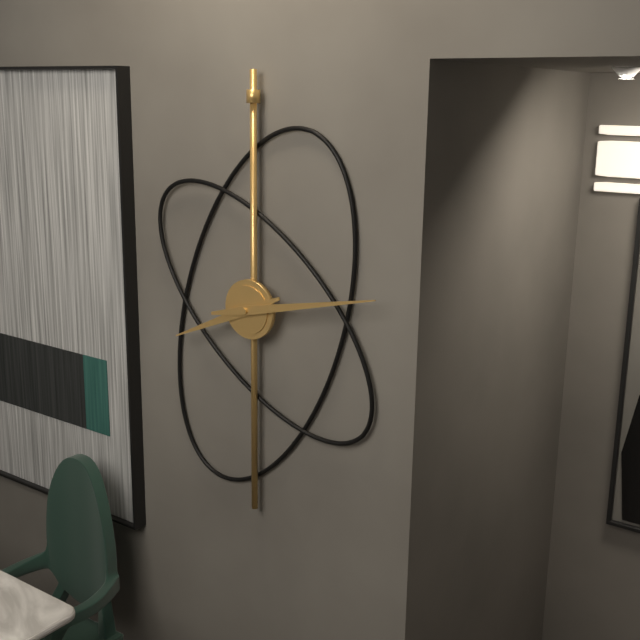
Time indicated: 8:13
